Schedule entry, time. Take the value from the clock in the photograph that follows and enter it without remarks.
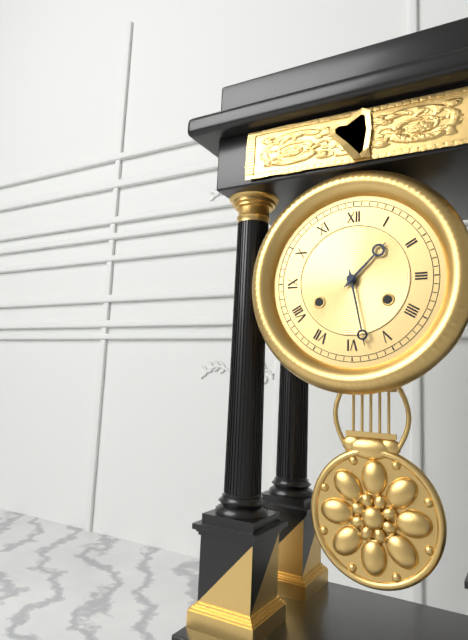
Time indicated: 1:28
